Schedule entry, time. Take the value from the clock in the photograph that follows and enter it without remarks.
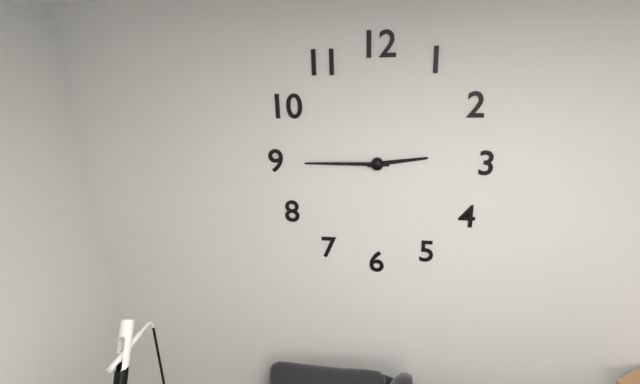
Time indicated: 2:45
